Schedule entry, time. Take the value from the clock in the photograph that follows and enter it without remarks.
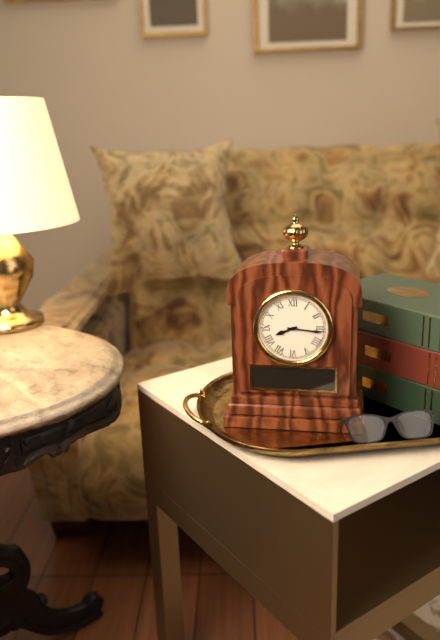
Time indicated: 8:16
